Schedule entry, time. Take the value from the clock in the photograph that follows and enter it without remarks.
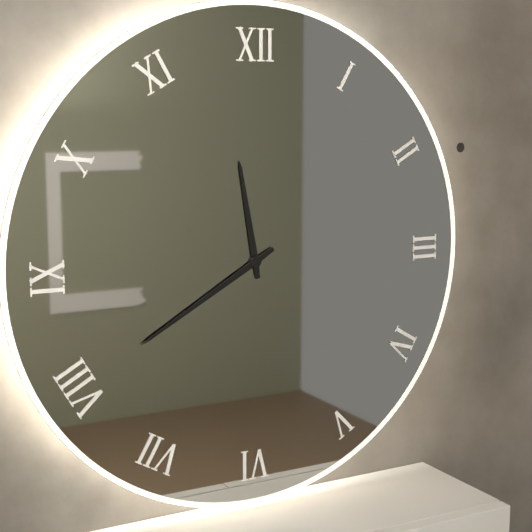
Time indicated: 11:40
